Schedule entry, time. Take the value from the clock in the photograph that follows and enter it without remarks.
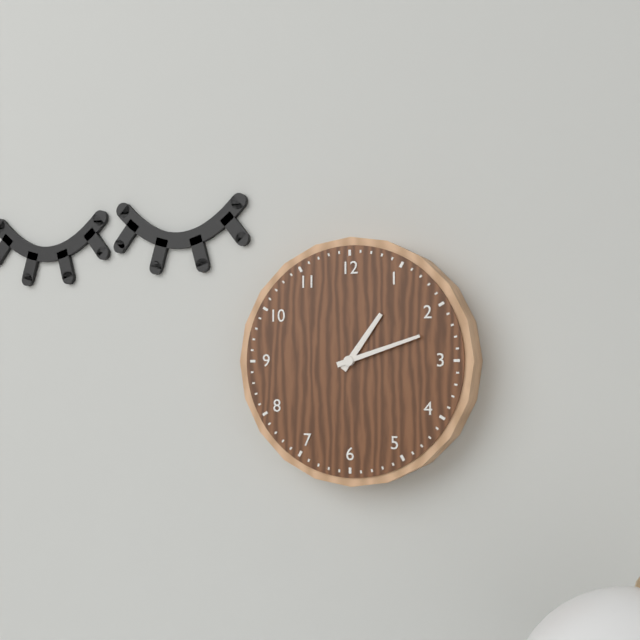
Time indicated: 1:12
